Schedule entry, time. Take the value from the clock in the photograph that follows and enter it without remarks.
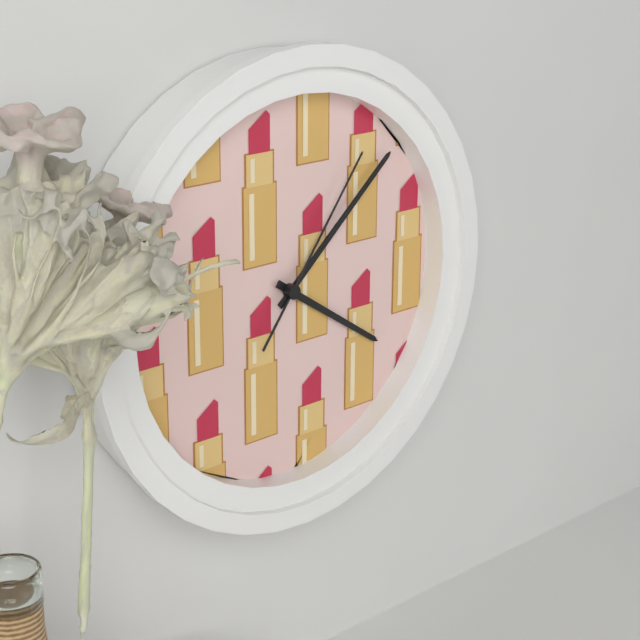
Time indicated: 4:08:06
